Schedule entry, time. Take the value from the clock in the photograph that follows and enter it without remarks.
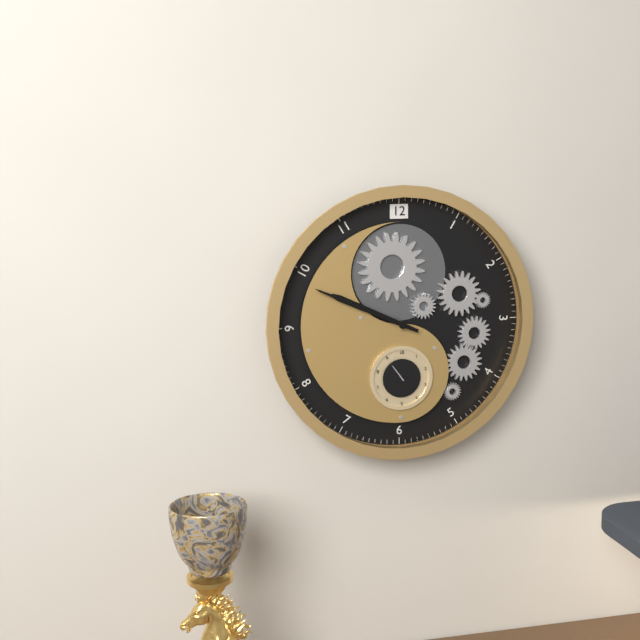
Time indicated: 9:49
